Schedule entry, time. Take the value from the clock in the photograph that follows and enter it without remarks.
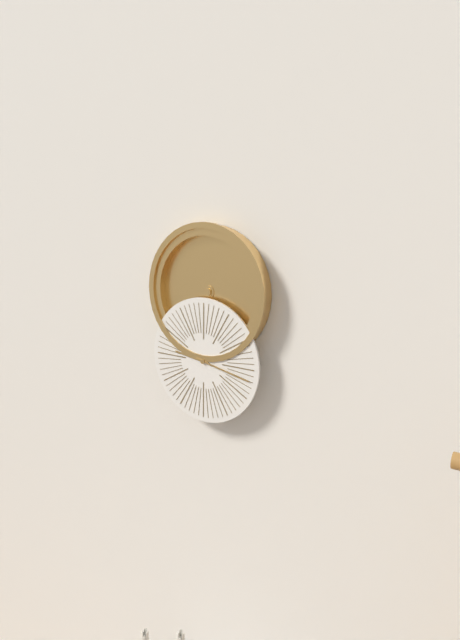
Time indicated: 9:17
